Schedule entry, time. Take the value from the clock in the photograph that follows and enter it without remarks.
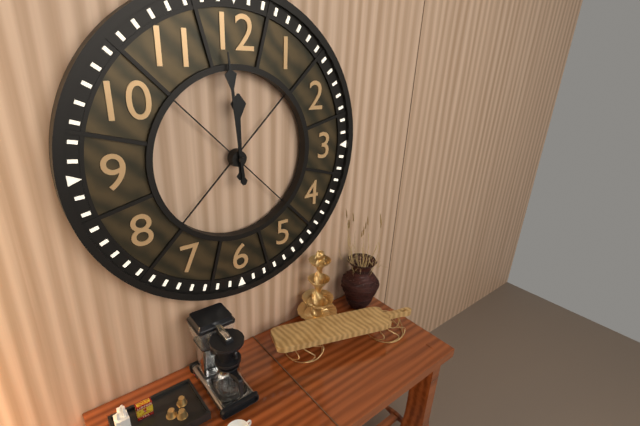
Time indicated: 11:59
